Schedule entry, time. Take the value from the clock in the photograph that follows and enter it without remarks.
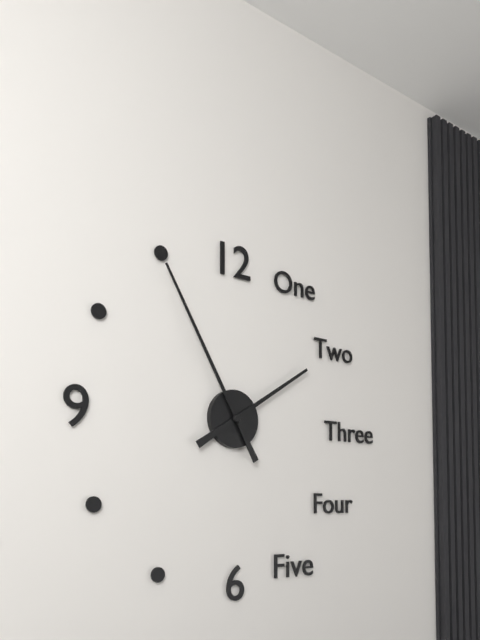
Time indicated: 1:55
